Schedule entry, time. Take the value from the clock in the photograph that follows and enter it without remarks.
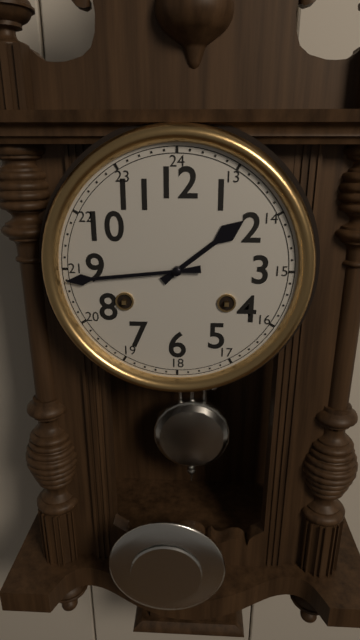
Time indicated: 1:44
